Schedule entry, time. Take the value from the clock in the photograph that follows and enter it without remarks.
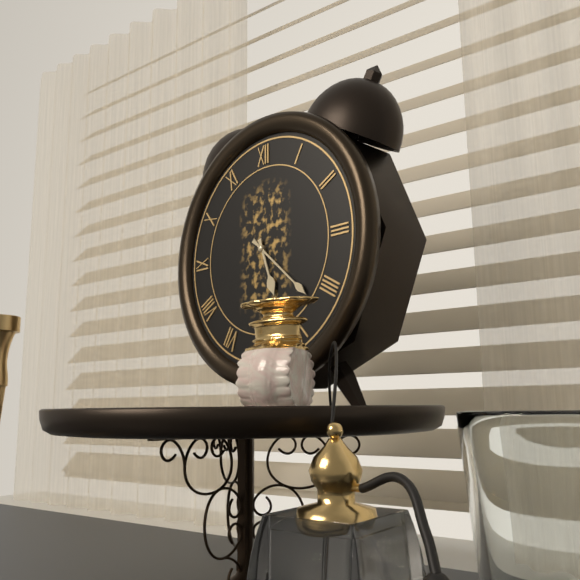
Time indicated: 5:22
